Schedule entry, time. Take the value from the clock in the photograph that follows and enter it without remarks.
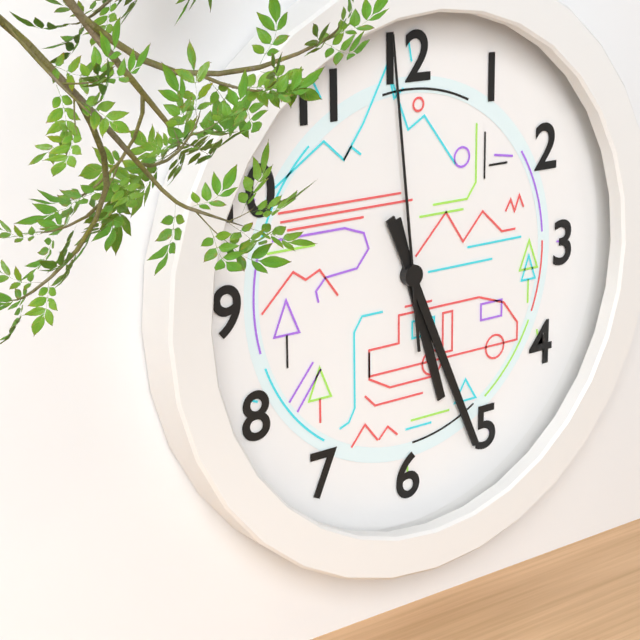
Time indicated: 5:26:59
